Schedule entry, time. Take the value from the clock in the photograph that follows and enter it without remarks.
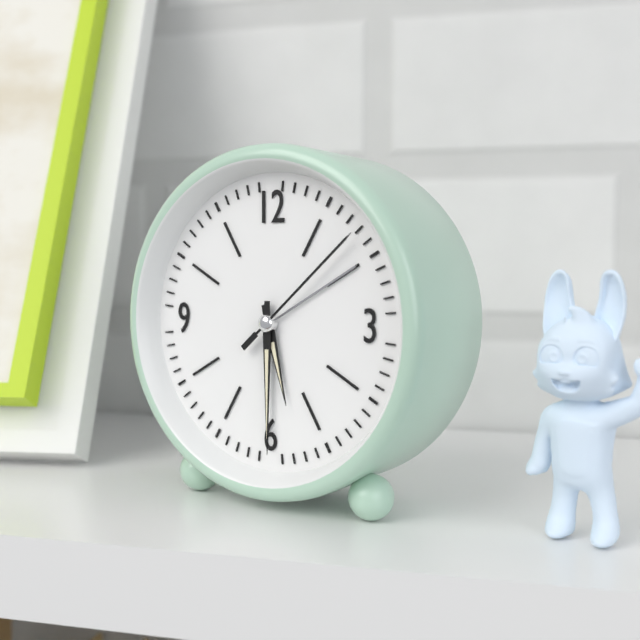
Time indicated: 5:30:08
